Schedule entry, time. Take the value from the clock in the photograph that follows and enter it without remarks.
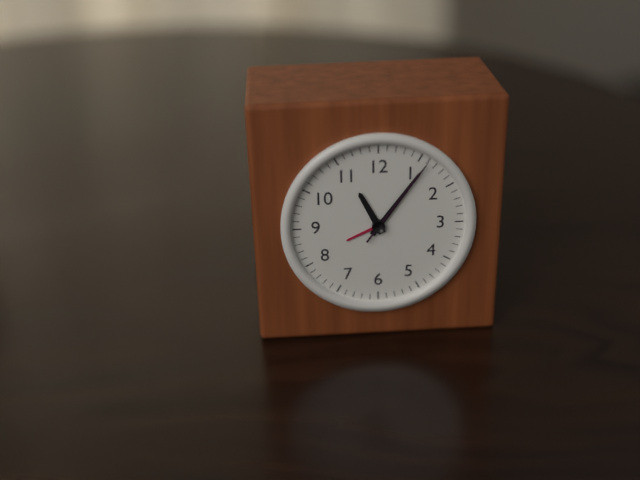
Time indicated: 11:06:06
